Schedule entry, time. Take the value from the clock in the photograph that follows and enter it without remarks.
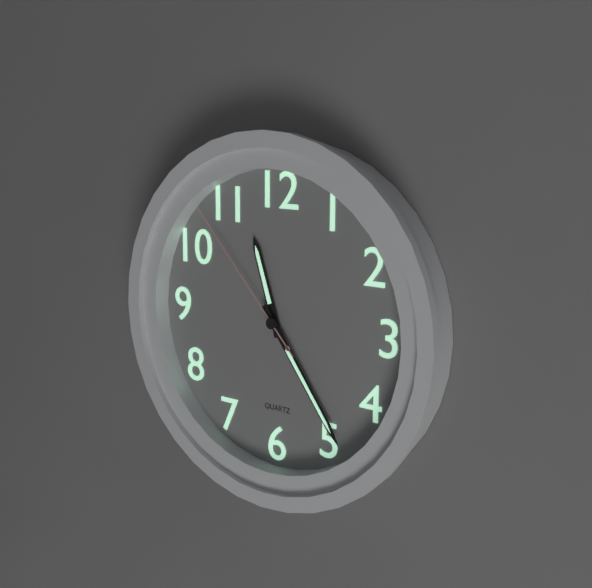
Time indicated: 11:24:53
